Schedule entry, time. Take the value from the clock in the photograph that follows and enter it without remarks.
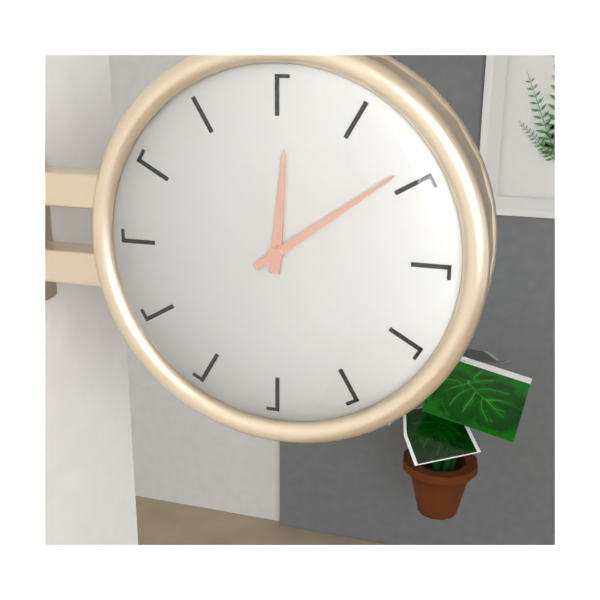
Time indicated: 12:09
